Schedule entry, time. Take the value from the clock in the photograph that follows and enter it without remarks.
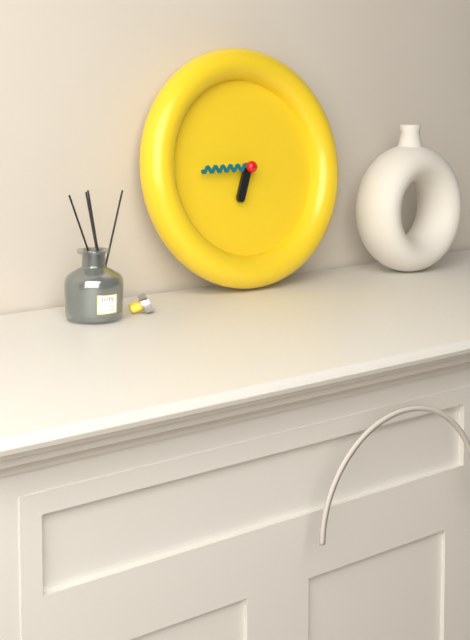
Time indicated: 6:45
